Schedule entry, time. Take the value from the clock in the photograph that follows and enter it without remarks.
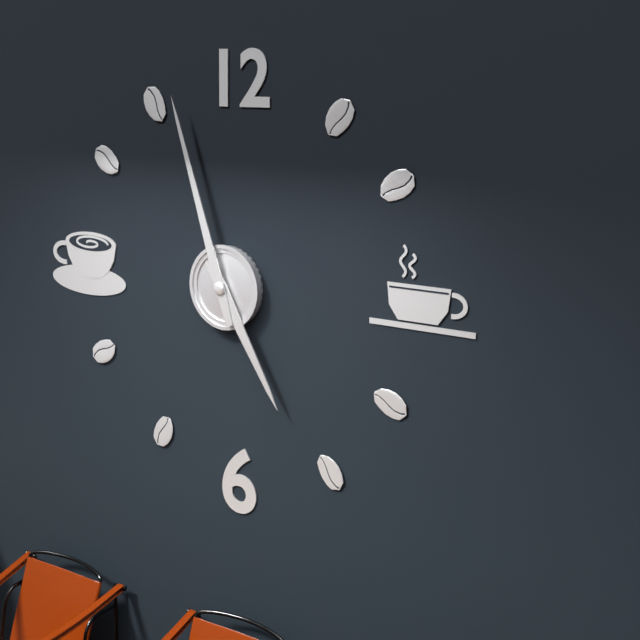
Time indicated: 4:57
